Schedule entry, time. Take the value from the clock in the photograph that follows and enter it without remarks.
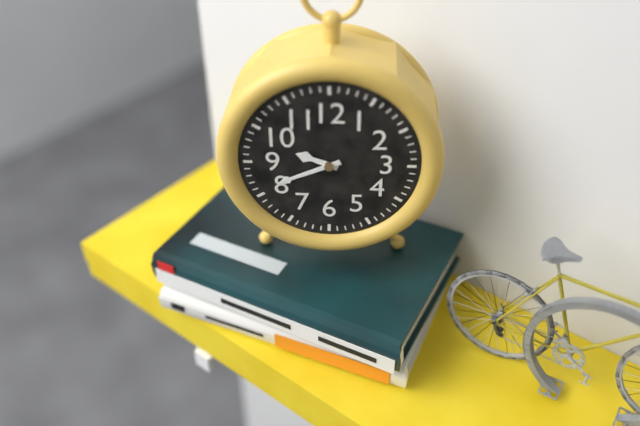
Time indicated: 9:41
